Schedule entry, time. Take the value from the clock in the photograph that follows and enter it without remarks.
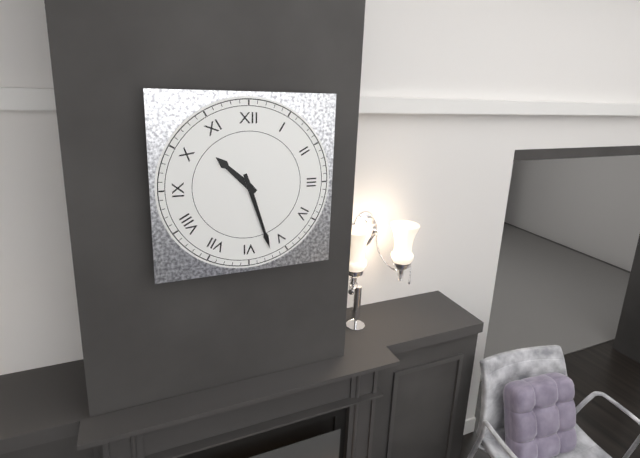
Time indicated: 10:27
